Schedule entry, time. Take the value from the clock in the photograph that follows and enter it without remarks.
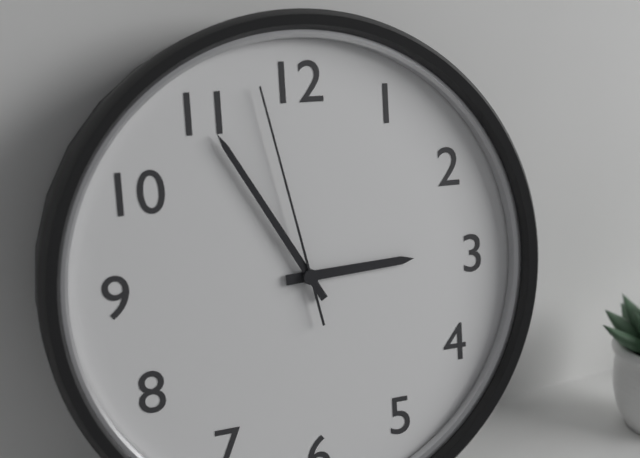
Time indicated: 2:55:58
